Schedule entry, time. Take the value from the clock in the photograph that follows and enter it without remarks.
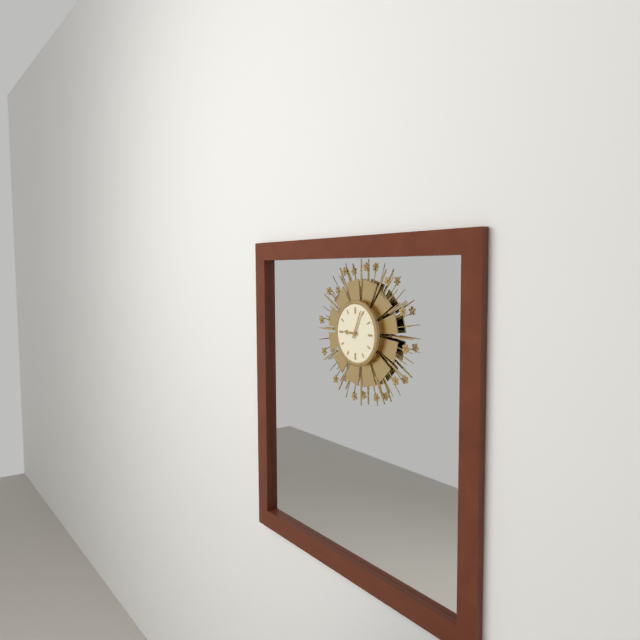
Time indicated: 9:04
